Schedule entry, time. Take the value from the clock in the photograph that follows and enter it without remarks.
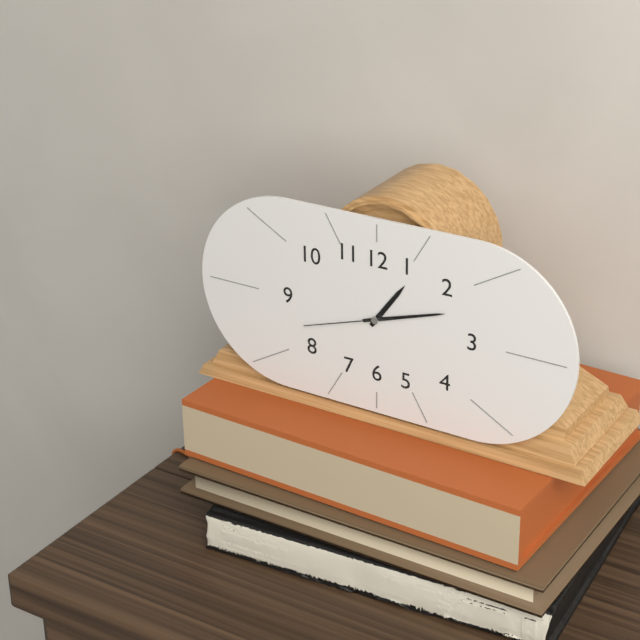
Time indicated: 1:12:42
